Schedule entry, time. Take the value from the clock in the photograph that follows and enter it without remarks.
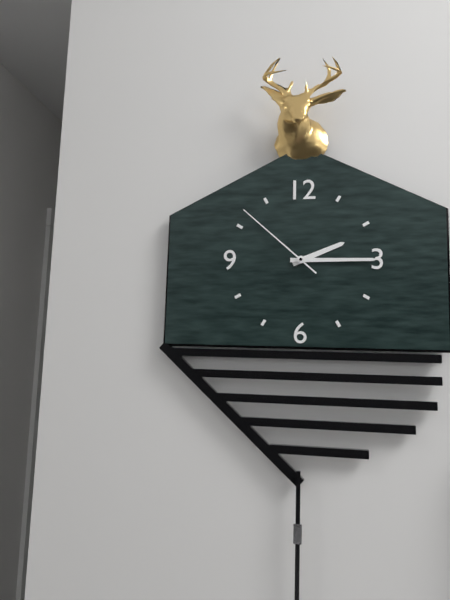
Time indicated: 2:15:52
